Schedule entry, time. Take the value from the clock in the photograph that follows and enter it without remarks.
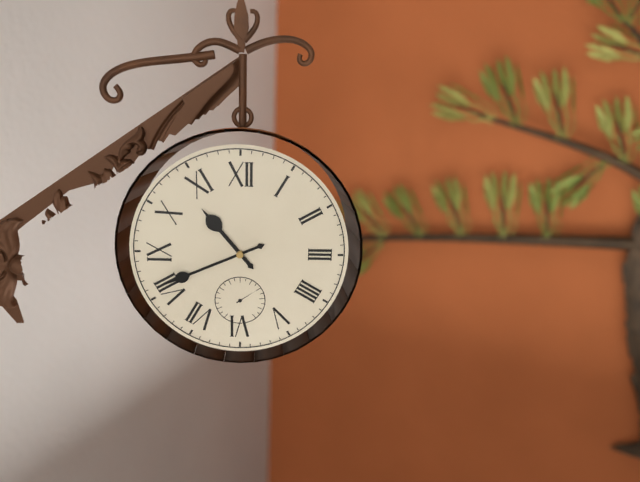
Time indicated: 10:41
